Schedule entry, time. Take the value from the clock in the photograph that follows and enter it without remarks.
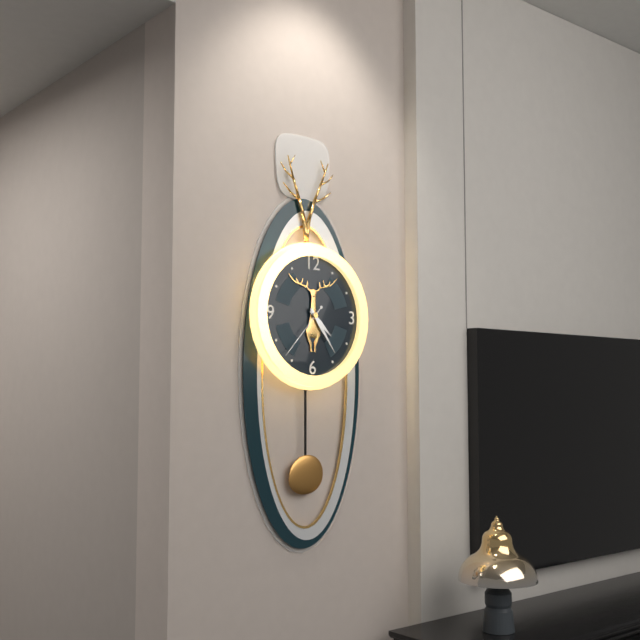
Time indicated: 4:24:37
